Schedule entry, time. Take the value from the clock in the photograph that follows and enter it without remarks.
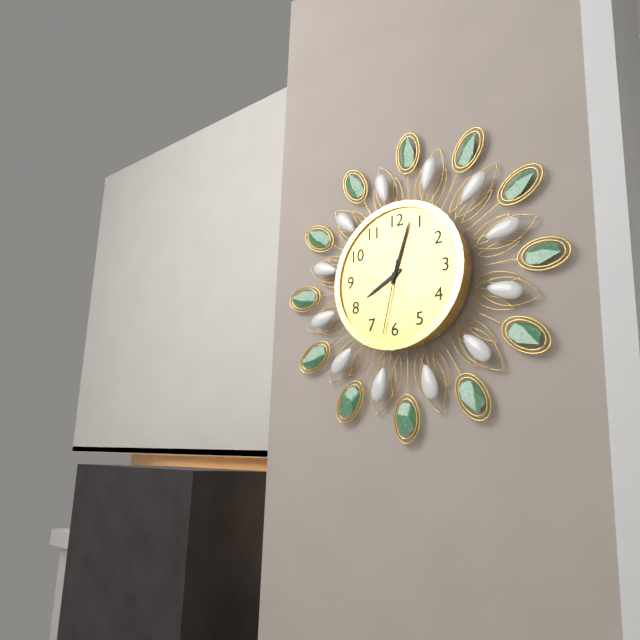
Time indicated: 8:03:32
